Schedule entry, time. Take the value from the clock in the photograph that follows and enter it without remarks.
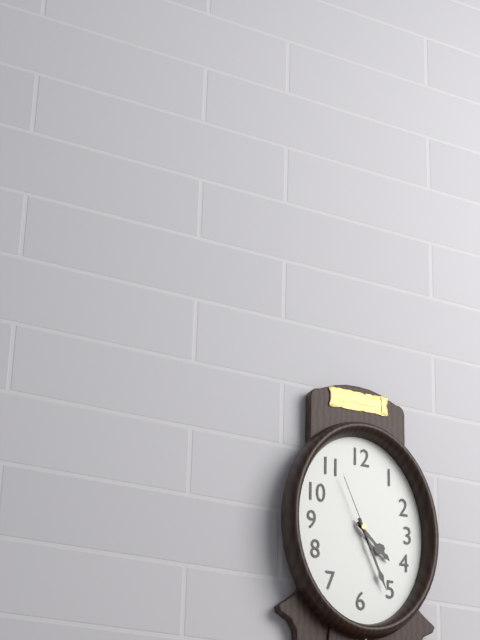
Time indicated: 4:26:56
